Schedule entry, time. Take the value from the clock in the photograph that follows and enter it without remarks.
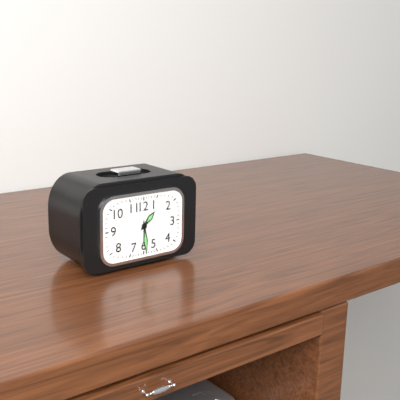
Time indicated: 1:29
